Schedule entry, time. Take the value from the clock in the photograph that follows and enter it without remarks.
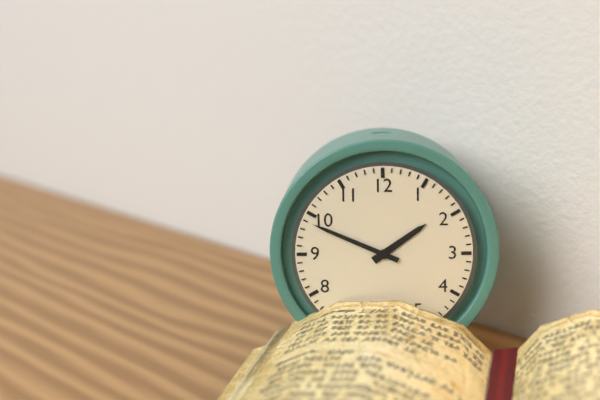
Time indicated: 1:49
